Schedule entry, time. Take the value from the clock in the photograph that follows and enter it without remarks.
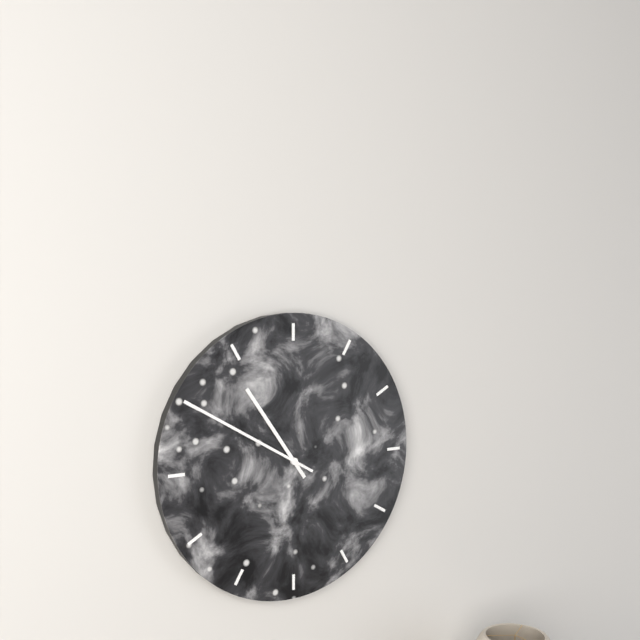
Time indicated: 10:50
